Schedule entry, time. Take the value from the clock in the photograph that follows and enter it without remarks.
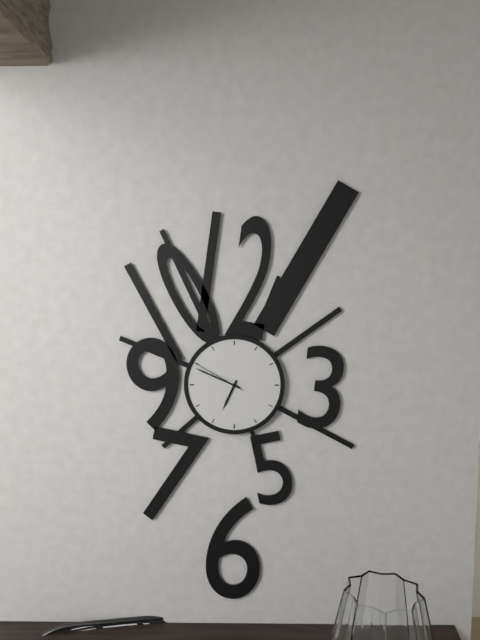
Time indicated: 6:49:50
